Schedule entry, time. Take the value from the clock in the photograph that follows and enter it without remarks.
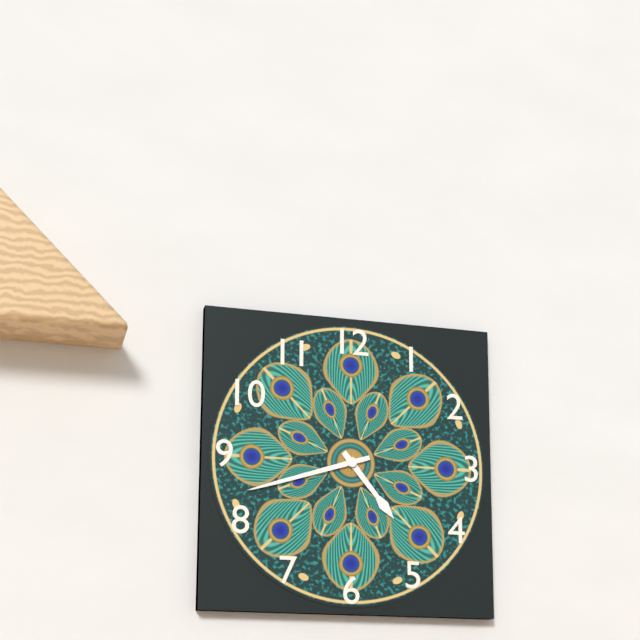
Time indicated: 4:42
